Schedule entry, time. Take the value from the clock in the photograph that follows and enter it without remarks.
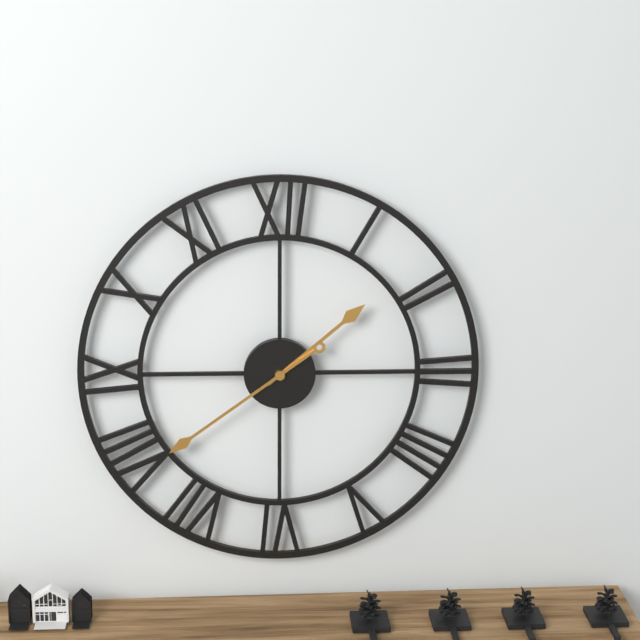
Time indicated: 1:39
